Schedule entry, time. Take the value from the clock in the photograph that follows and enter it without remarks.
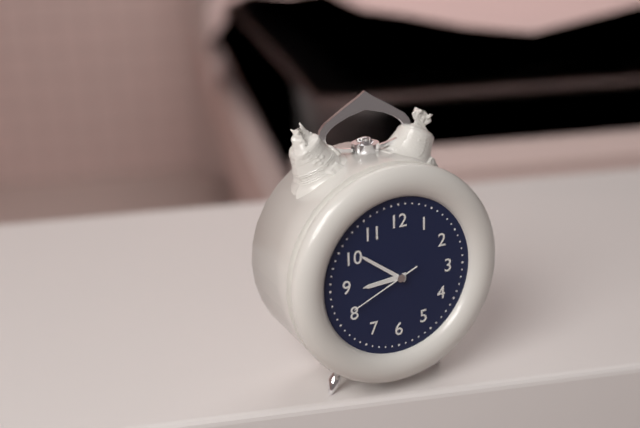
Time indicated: 8:51:41
